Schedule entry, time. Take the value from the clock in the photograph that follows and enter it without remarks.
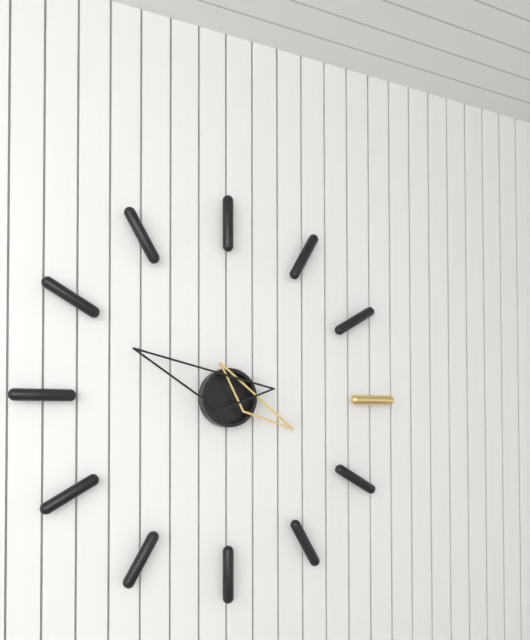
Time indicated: 3:49
